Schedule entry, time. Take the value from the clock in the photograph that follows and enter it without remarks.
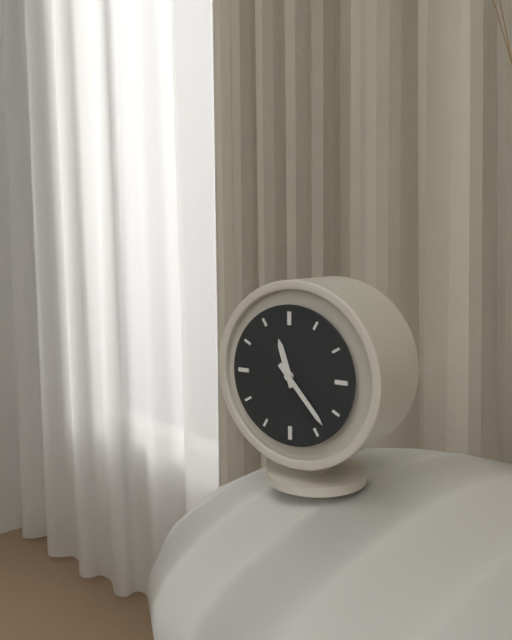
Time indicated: 11:23
